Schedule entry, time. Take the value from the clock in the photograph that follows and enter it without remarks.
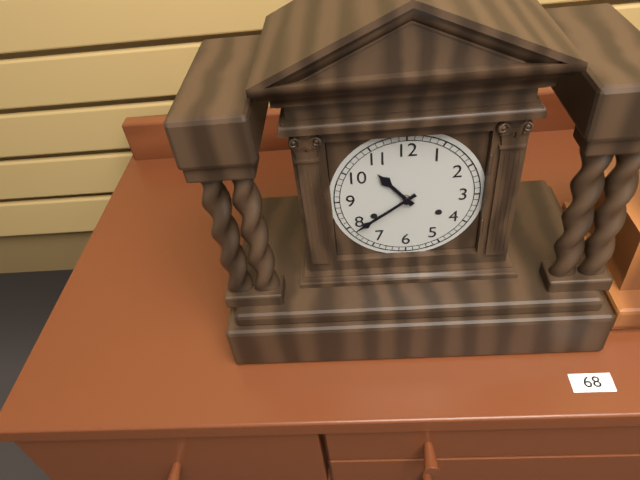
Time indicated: 10:39
